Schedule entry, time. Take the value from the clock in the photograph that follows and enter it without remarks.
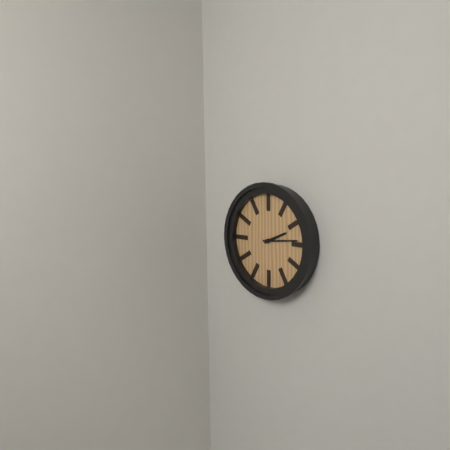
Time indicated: 2:14
